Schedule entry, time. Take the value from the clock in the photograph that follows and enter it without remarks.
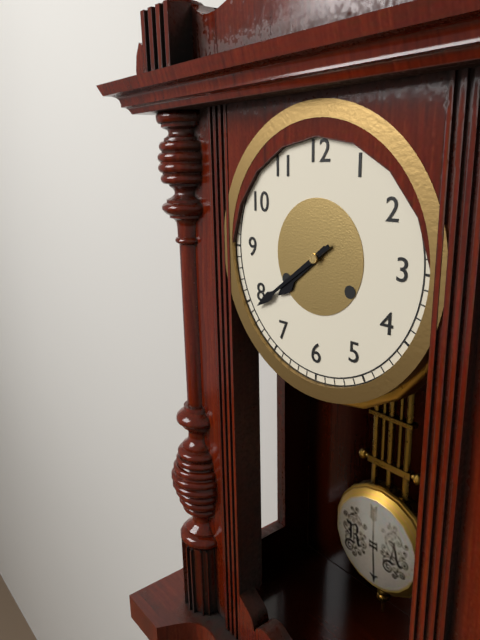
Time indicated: 7:39
